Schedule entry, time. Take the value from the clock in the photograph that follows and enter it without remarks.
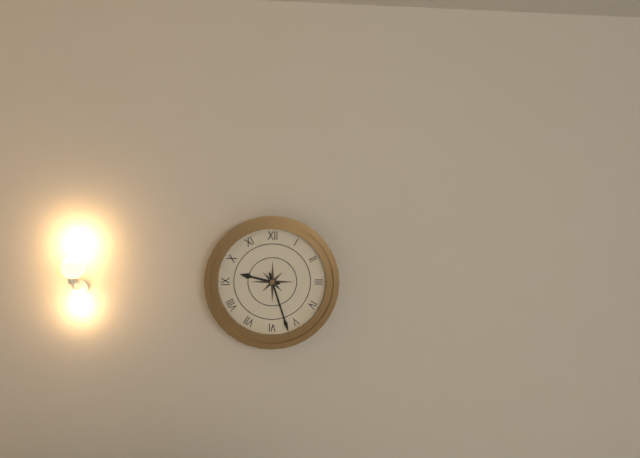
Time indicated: 9:27
